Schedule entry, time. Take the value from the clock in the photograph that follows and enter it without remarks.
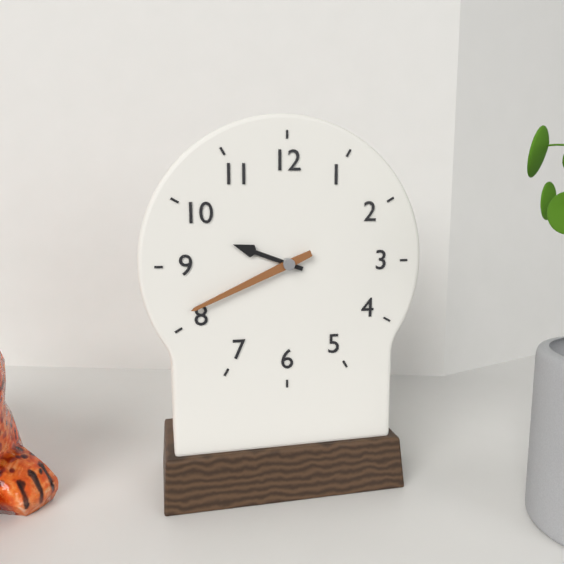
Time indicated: 9:41
